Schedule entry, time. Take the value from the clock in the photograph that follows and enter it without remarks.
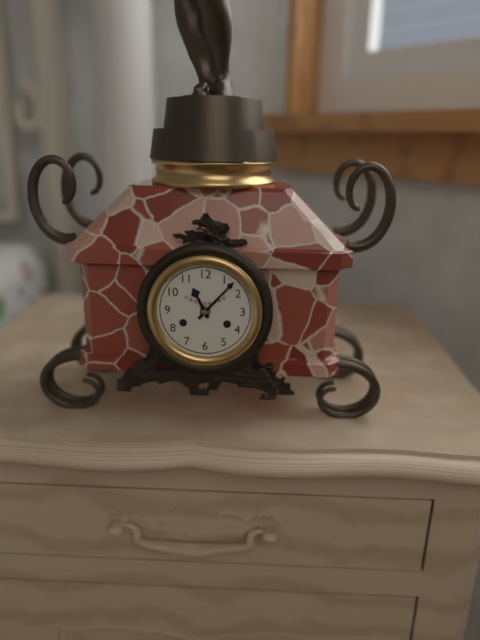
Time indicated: 11:07
